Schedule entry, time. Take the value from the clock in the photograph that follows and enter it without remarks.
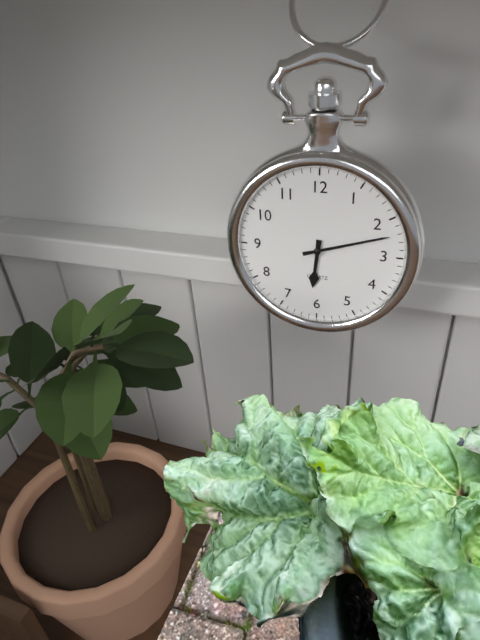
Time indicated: 6:12
